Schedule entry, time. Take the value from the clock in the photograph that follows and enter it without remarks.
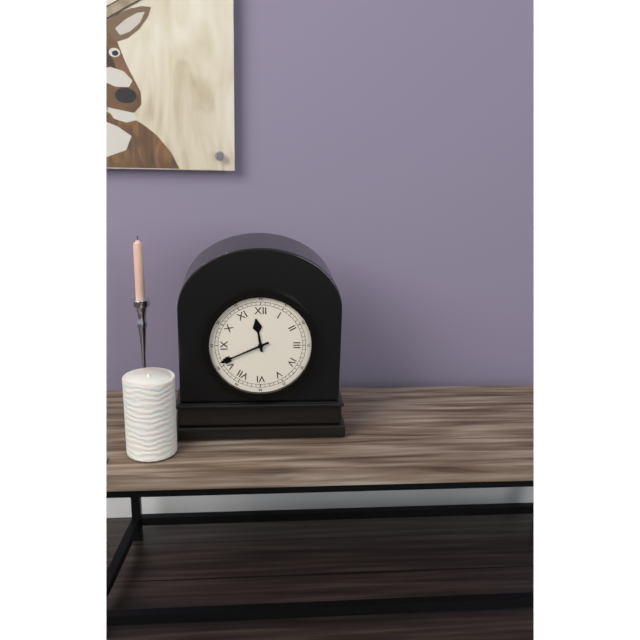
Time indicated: 11:41
